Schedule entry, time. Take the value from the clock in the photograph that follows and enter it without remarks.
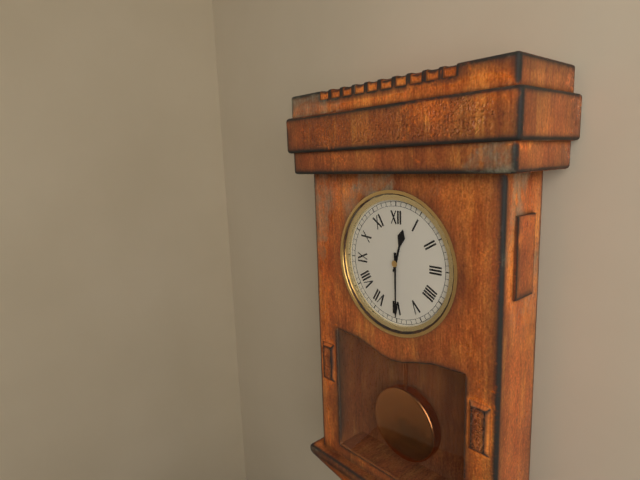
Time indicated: 12:30
